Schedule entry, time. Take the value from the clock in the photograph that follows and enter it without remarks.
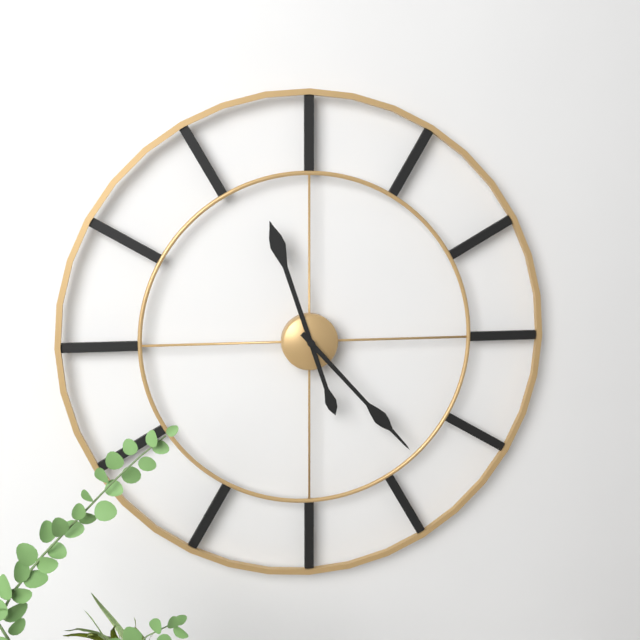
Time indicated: 11:23
